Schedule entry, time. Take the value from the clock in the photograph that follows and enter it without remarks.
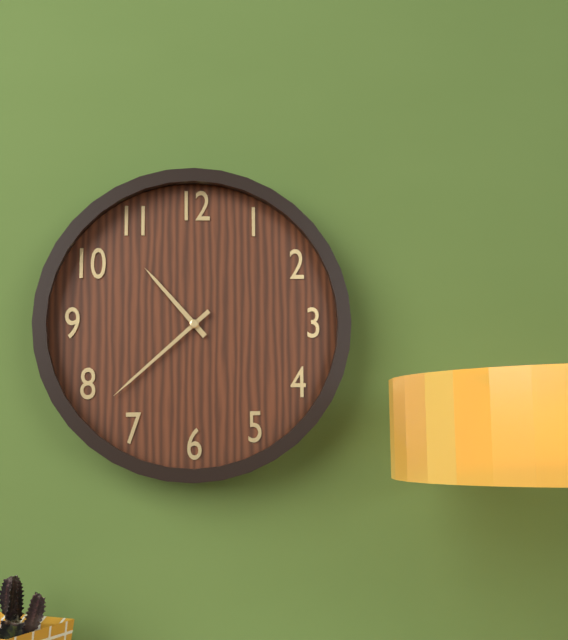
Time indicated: 10:38
